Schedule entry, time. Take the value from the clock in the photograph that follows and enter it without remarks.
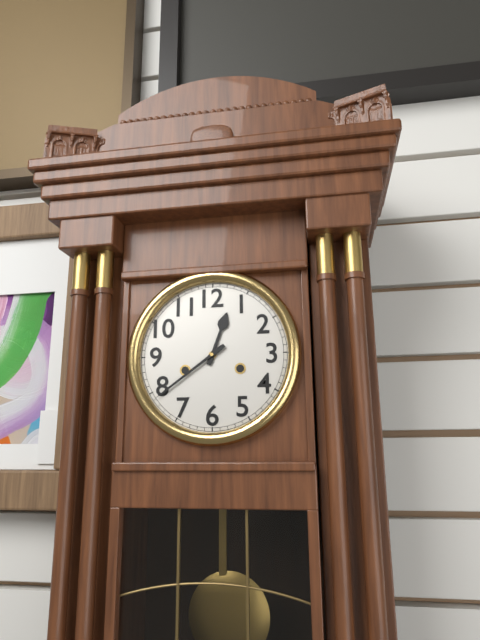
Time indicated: 12:39
